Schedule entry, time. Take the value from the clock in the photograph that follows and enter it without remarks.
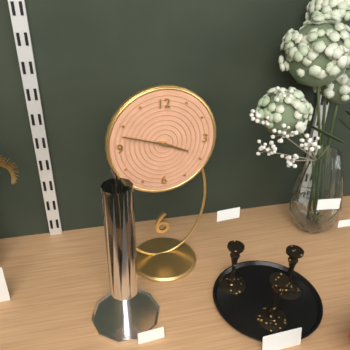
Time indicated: 3:48
